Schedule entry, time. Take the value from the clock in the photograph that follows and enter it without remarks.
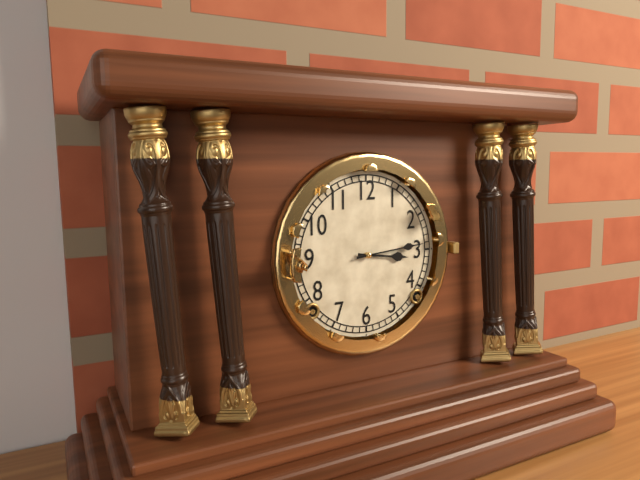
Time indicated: 3:14
